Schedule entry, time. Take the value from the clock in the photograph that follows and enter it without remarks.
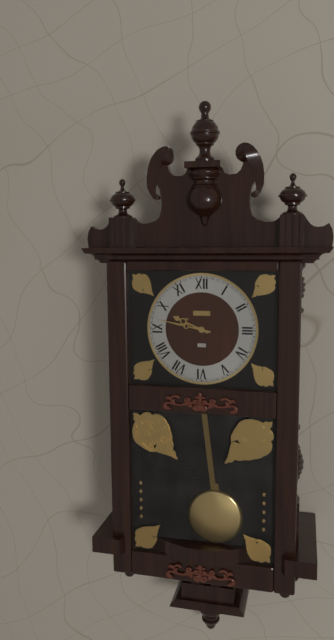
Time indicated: 9:47
